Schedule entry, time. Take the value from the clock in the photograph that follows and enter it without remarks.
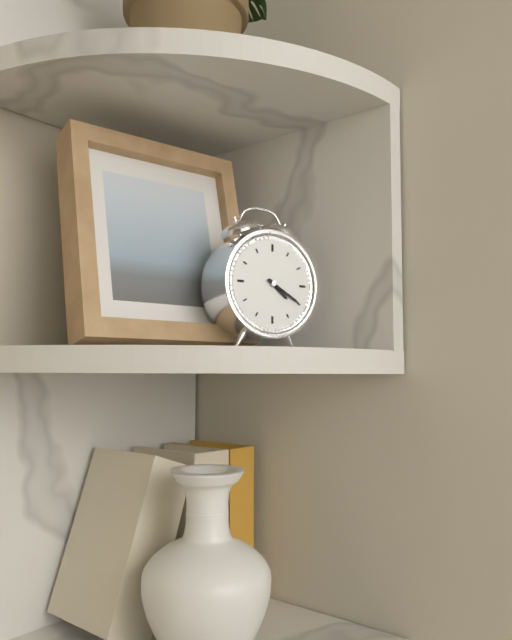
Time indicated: 4:20
